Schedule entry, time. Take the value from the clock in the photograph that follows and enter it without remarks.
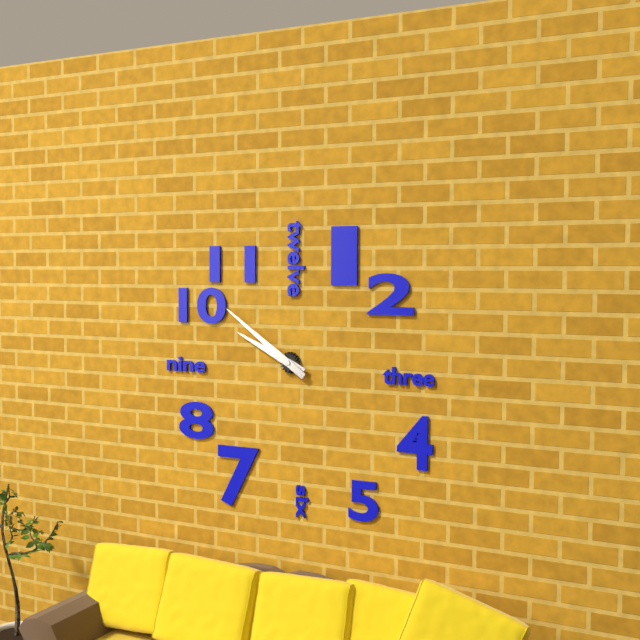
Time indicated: 9:51
